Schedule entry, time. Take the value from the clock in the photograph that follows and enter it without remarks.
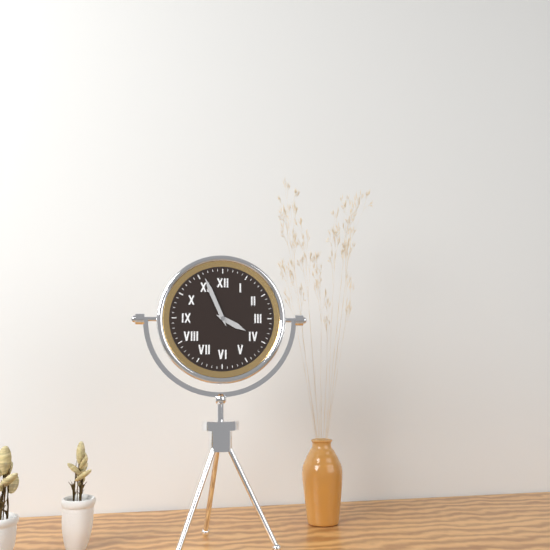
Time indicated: 3:56
